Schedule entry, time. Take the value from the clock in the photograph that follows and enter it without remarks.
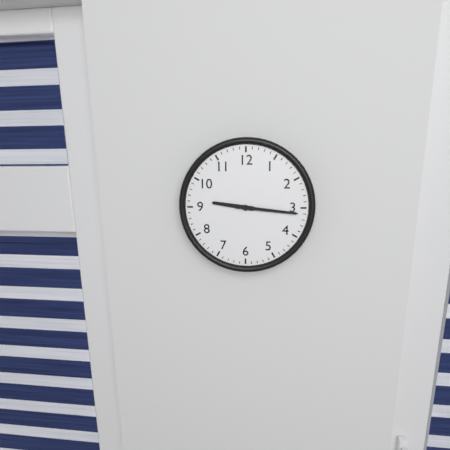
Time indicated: 9:16
